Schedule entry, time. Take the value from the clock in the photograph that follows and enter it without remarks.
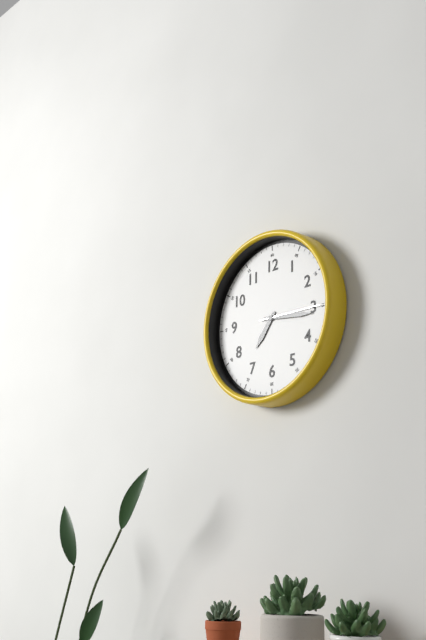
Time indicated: 7:16:15
